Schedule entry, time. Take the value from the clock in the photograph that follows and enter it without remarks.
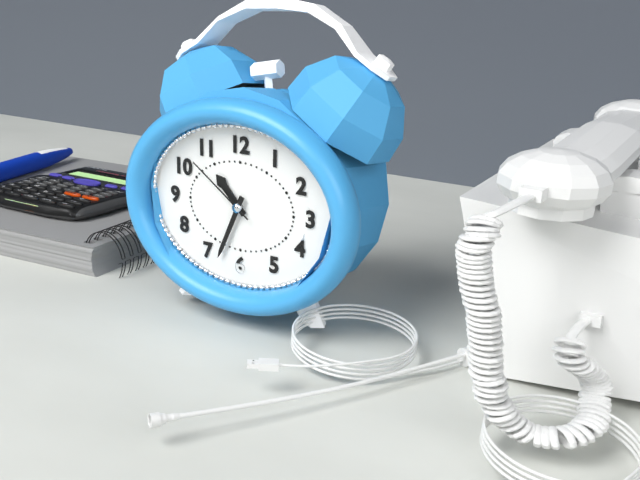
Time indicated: 10:34:51
